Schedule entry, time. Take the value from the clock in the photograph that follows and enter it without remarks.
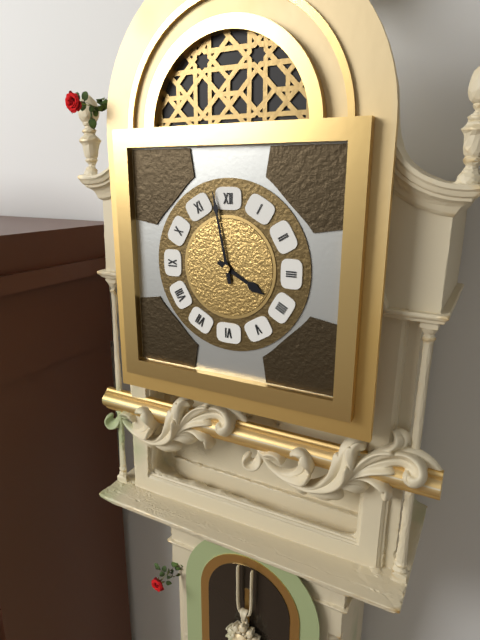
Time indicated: 3:58
